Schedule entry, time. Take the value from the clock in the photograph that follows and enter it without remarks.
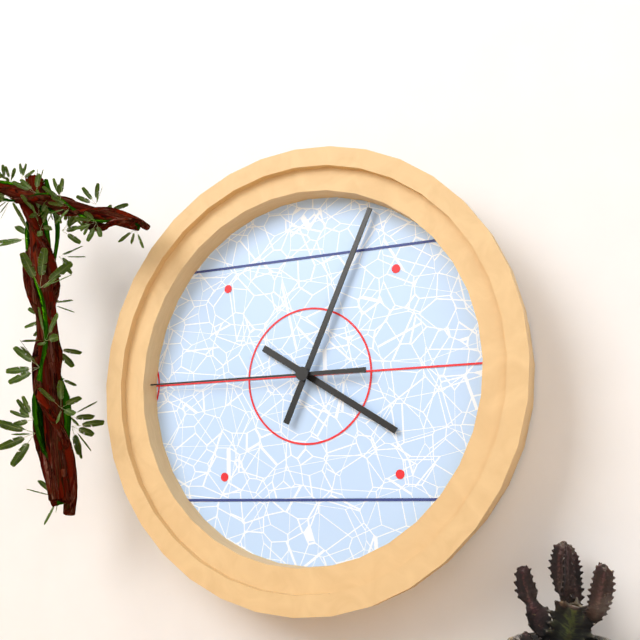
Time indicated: 4:04:45
